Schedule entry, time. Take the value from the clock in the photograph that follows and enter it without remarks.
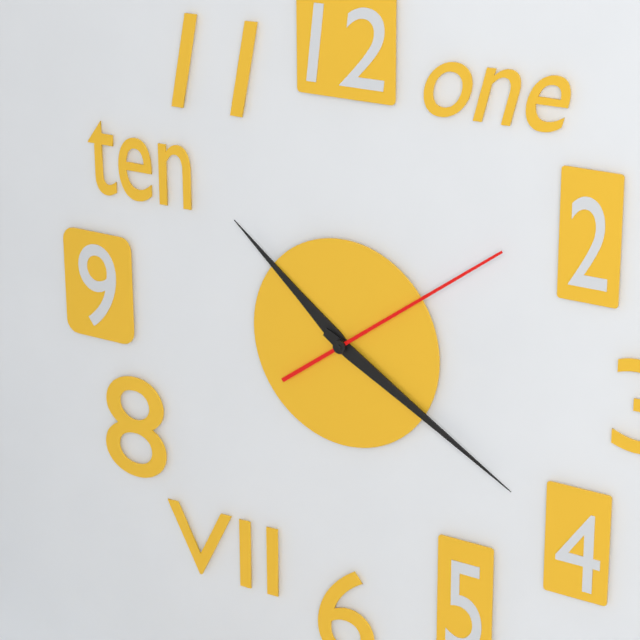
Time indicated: 10:20:09
